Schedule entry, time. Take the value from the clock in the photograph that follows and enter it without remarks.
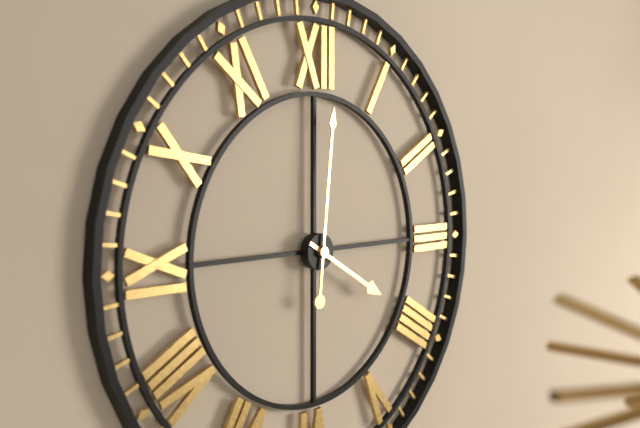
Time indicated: 4:01
